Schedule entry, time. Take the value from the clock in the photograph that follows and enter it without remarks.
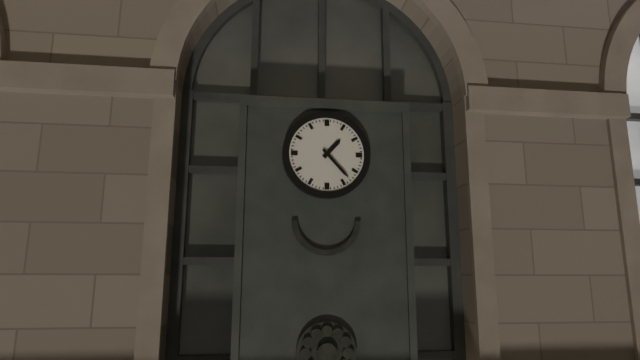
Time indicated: 1:23
